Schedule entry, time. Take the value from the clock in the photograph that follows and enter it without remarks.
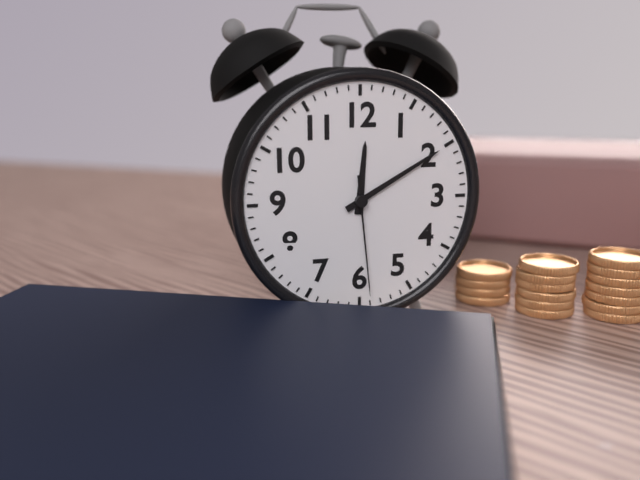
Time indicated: 12:10:29
